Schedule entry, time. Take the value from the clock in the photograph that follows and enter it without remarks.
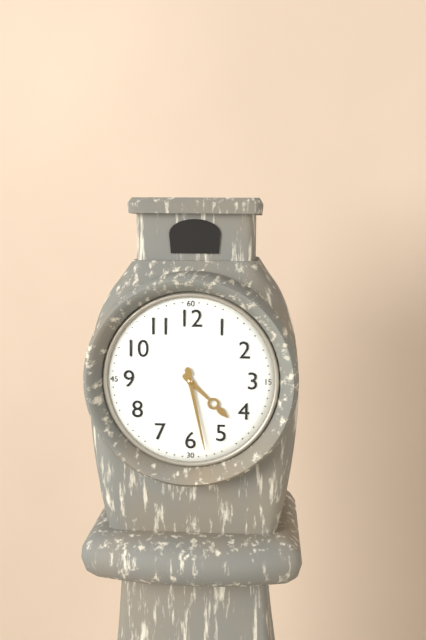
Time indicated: 4:28
